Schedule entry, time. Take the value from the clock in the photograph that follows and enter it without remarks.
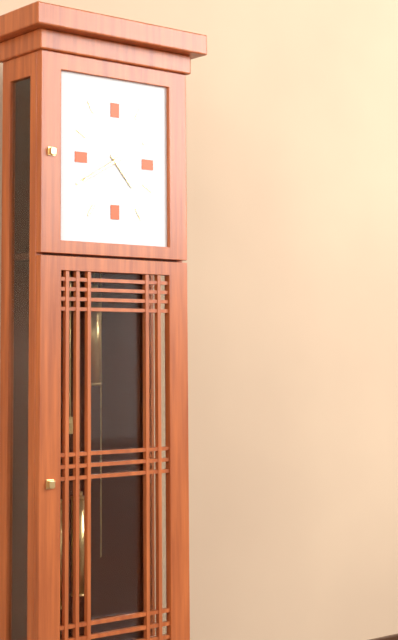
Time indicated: 4:40
